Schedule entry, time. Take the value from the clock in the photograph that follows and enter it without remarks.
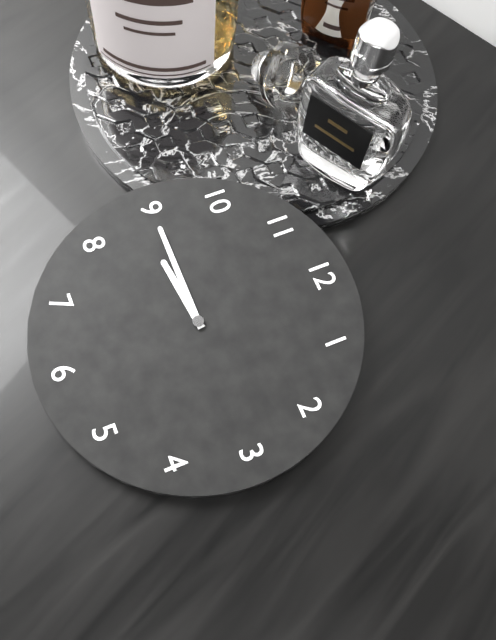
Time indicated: 8:45
